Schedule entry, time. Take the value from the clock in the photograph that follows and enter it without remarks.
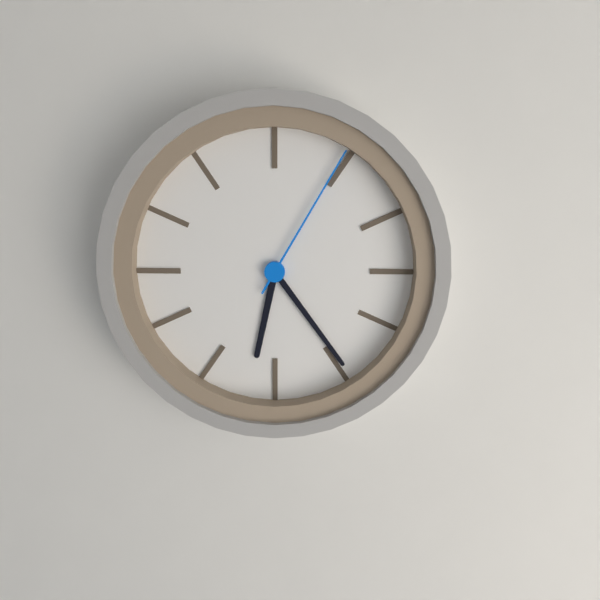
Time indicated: 6:24:05
